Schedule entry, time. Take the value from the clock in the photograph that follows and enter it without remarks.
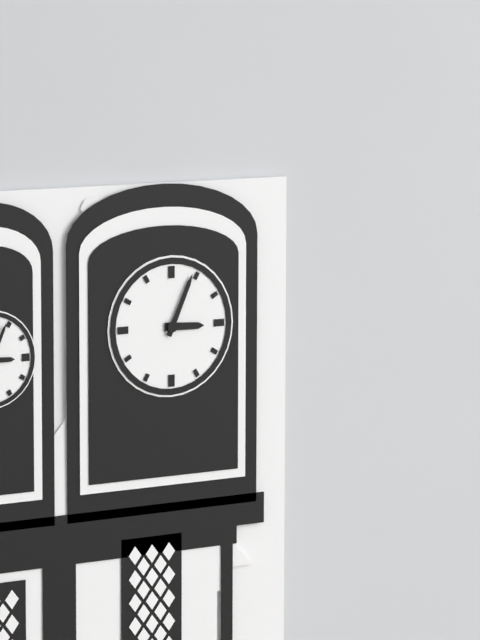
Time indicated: 3:04
